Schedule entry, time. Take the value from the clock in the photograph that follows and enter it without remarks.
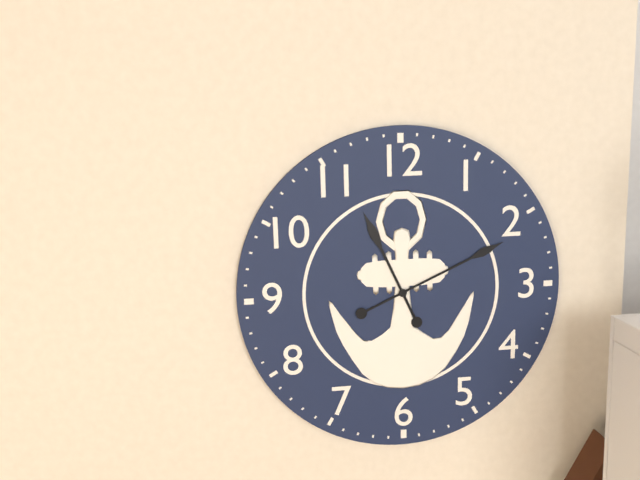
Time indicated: 11:11
